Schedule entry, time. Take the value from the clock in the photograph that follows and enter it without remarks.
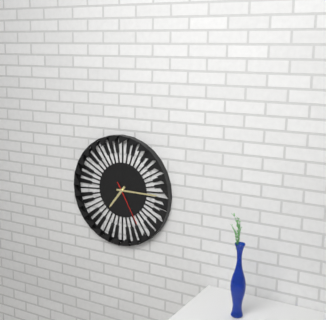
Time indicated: 7:15
